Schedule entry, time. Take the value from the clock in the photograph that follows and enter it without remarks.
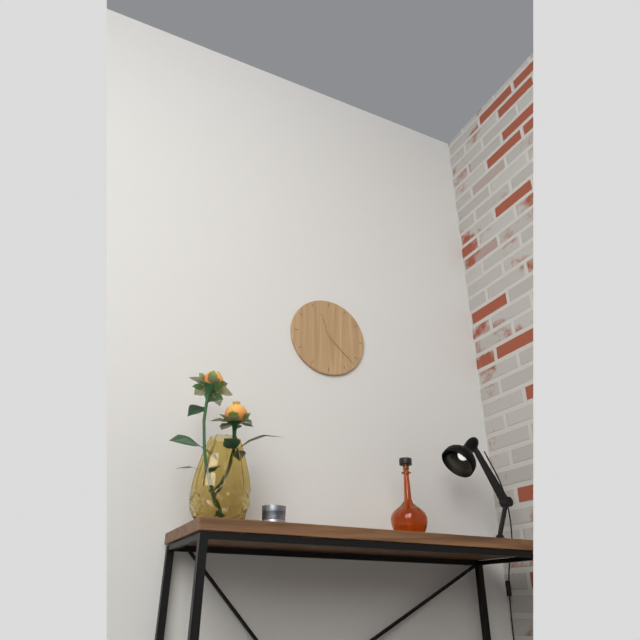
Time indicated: 11:22
